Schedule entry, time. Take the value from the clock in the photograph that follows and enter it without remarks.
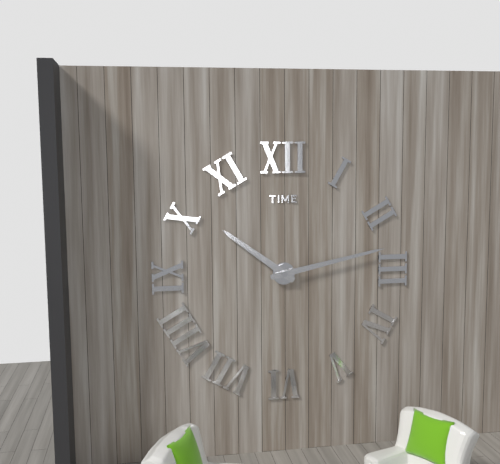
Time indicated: 10:13
